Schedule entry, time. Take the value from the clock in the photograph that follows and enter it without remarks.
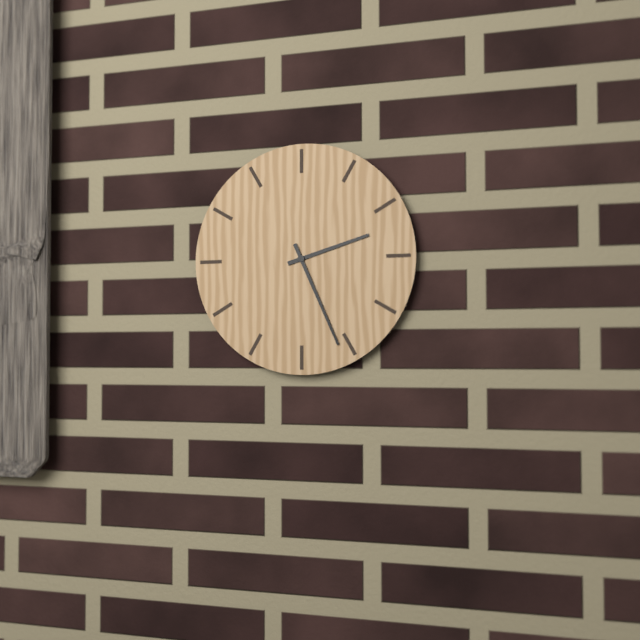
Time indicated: 2:26
